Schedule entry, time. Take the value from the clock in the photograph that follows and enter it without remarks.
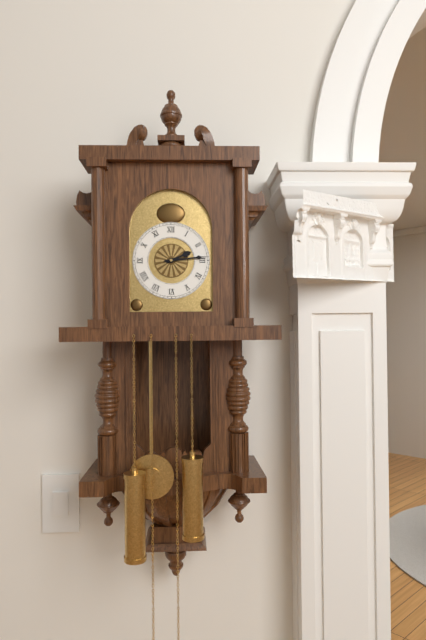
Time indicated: 2:14
